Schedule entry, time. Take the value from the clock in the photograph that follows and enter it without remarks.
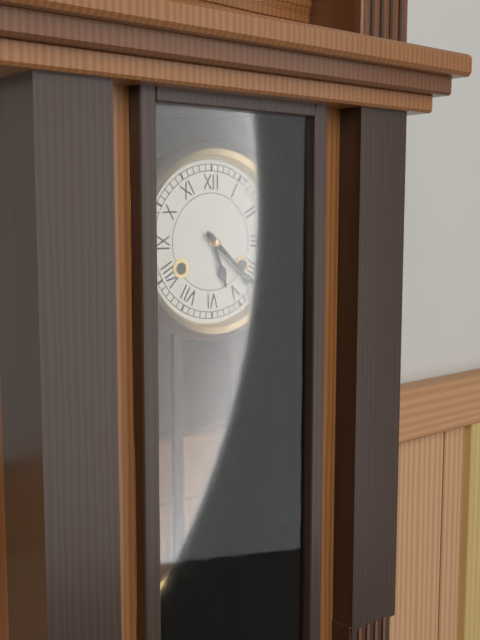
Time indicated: 5:22
